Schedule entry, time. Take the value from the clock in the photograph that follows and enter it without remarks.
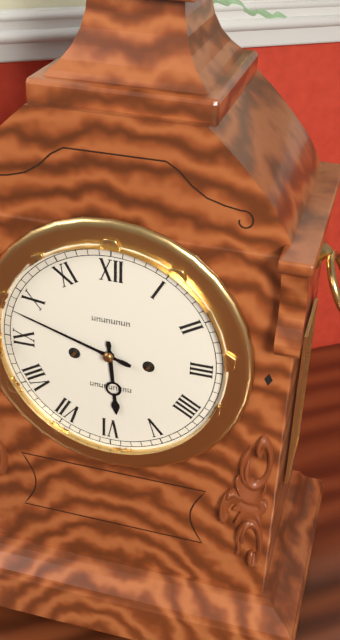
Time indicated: 5:48
